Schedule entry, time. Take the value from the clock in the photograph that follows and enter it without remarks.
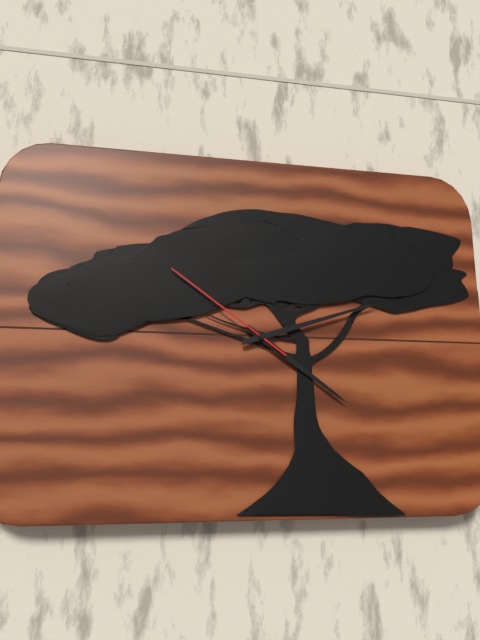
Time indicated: 4:12:51
